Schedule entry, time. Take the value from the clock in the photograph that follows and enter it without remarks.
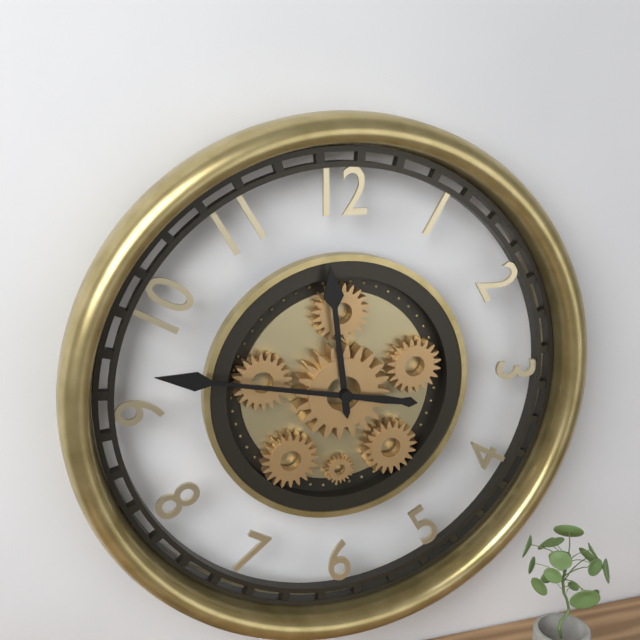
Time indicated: 11:47
